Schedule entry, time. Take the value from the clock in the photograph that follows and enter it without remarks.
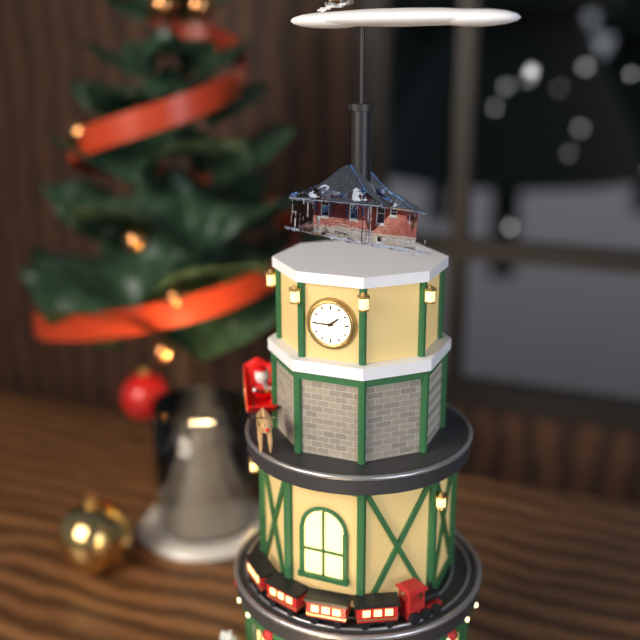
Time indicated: 1:45
